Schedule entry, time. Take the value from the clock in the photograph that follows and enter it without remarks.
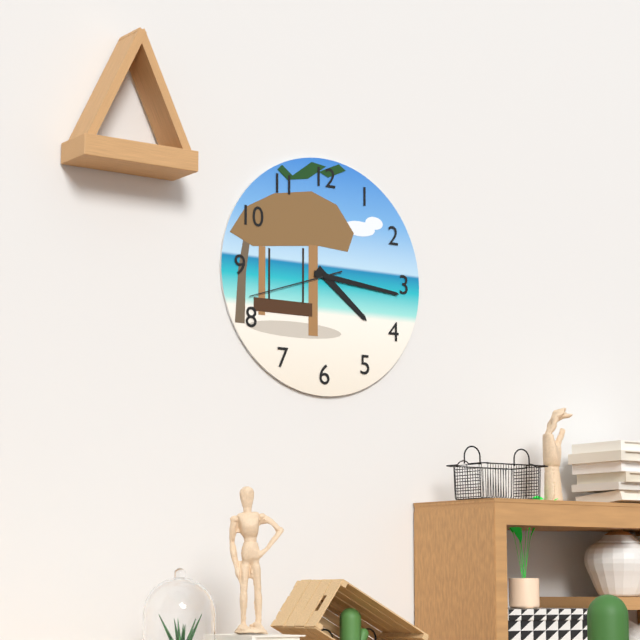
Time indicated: 4:16:42
